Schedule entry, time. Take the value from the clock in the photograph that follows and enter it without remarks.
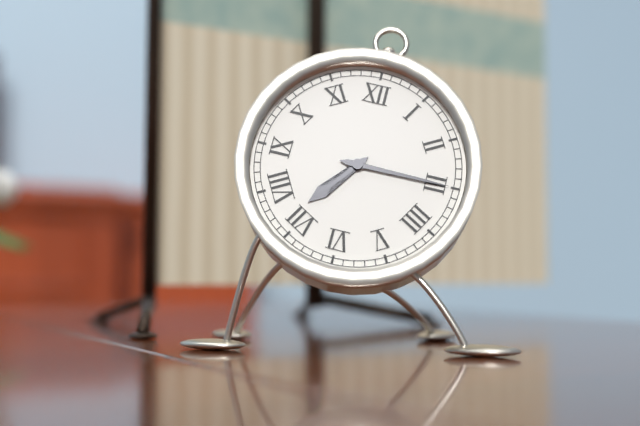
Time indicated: 7:15
